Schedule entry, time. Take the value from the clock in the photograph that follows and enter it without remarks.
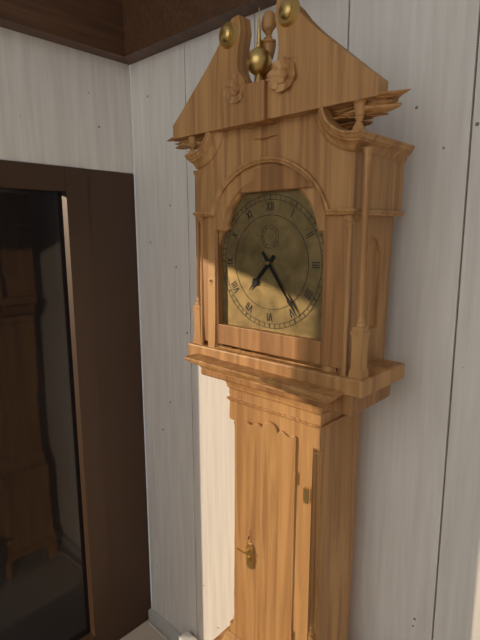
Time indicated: 7:24
